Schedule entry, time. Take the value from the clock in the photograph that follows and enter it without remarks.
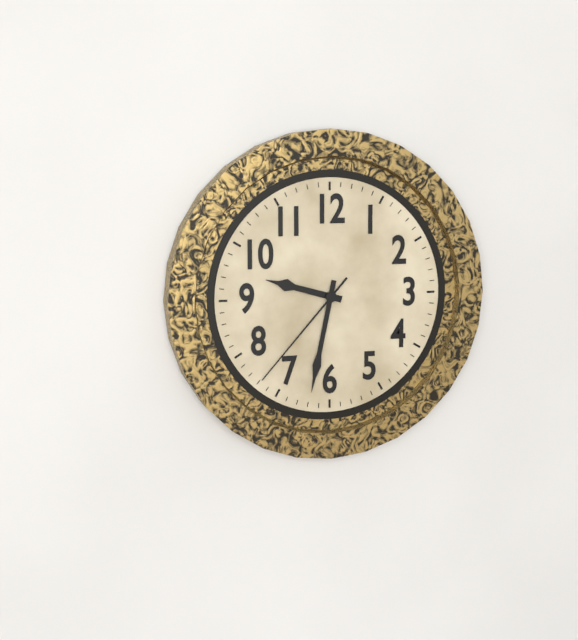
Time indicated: 9:32:37
